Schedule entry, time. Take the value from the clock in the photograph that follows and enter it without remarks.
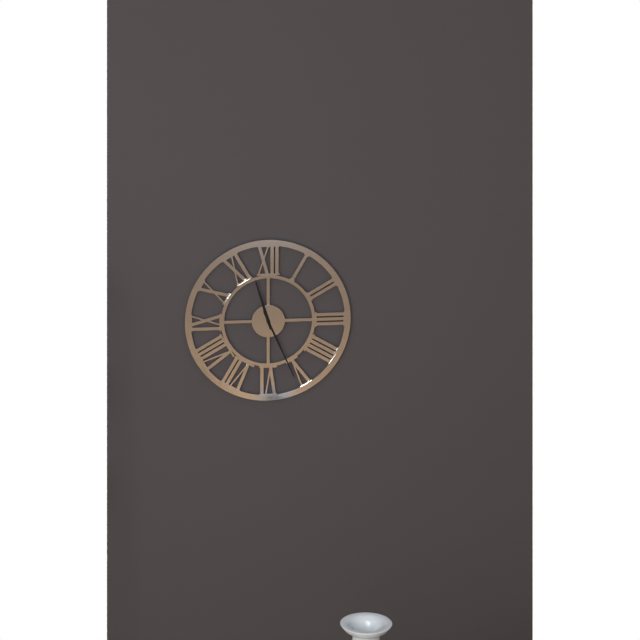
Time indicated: 11:26
